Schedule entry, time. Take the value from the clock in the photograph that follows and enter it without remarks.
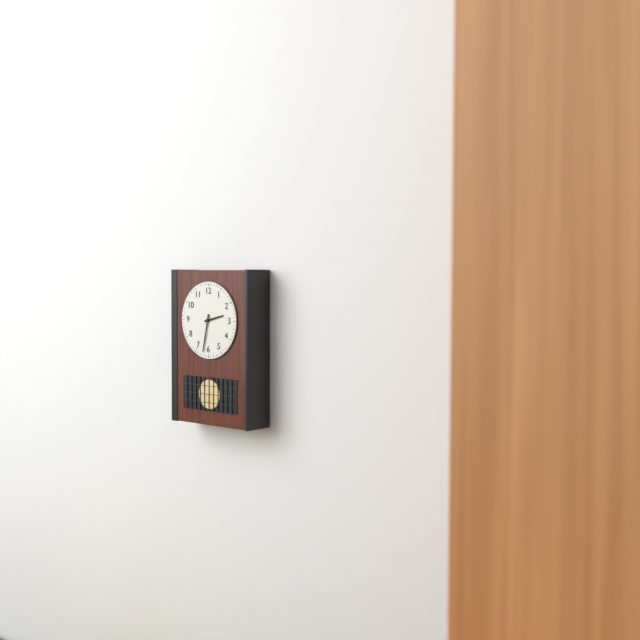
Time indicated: 2:32
